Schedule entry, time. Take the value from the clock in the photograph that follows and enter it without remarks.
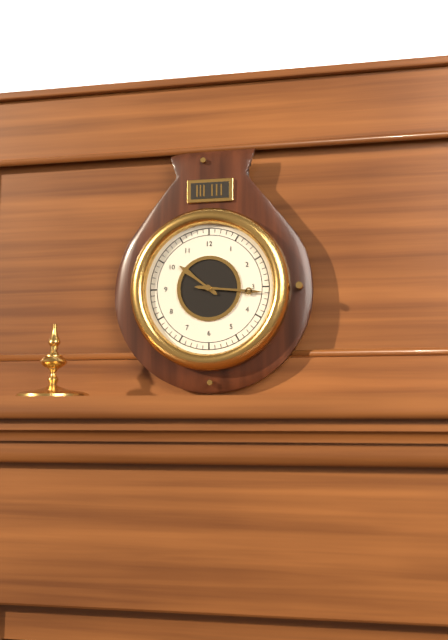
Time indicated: 10:16
